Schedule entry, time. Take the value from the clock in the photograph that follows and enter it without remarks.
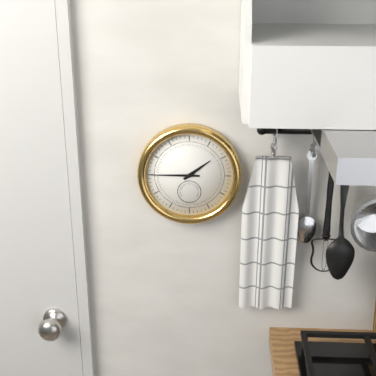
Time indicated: 1:45
